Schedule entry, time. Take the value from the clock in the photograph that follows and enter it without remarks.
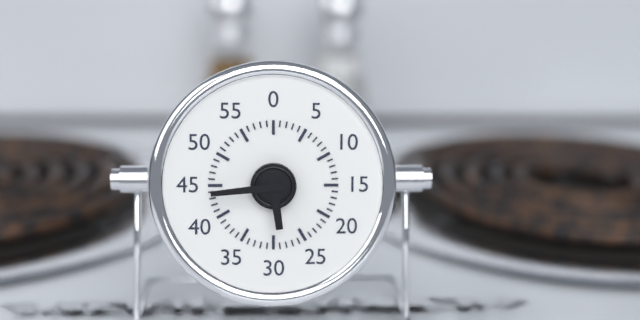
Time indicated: 5:44
